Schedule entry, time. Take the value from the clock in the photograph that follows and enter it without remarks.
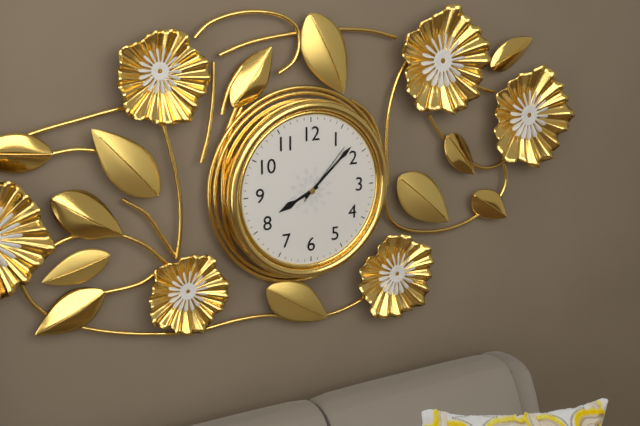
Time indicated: 8:08:07
